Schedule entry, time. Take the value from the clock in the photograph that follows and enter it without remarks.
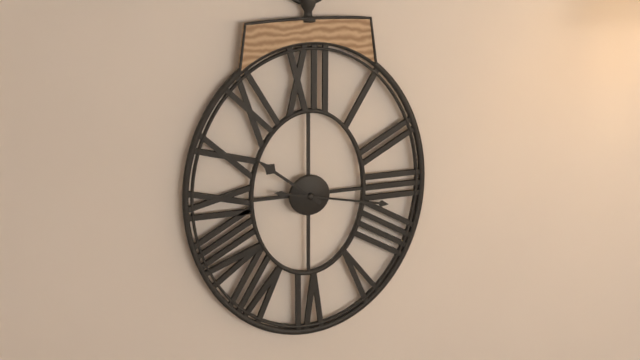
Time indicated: 10:17
